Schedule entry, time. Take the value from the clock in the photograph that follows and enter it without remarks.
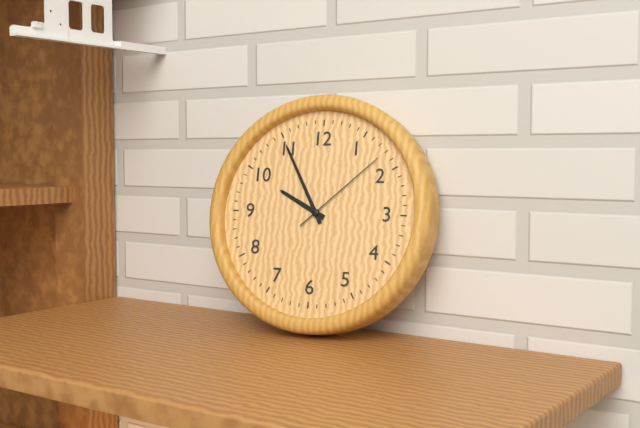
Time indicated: 9:55:08
